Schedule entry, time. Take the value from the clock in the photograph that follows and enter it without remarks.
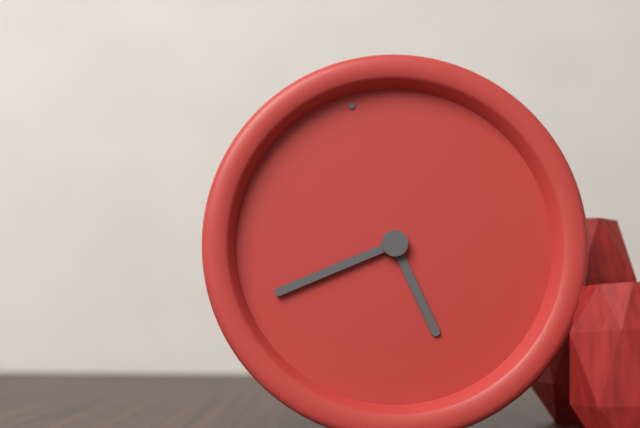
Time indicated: 5:44
